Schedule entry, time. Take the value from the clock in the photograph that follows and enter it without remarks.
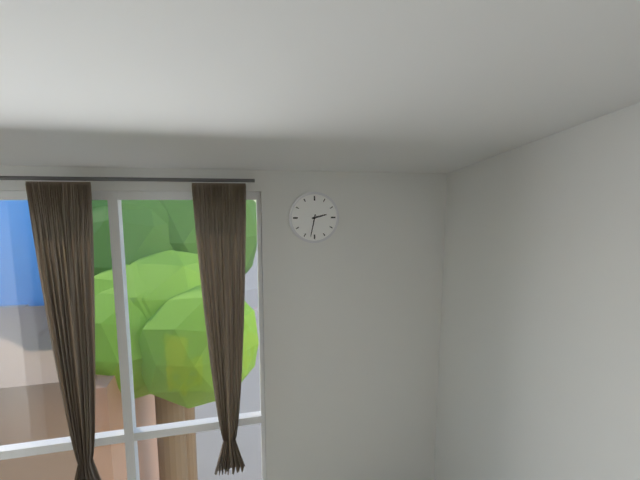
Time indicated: 2:32
